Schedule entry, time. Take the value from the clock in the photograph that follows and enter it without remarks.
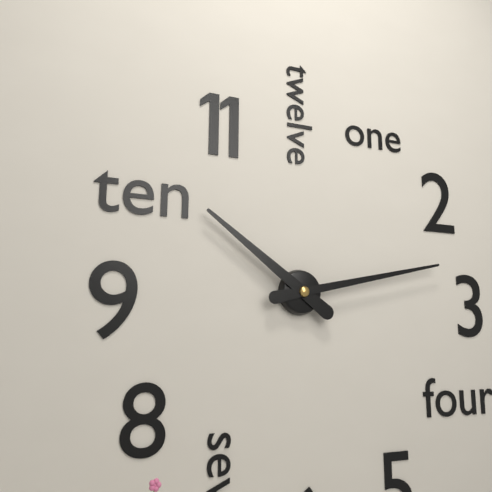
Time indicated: 10:13
